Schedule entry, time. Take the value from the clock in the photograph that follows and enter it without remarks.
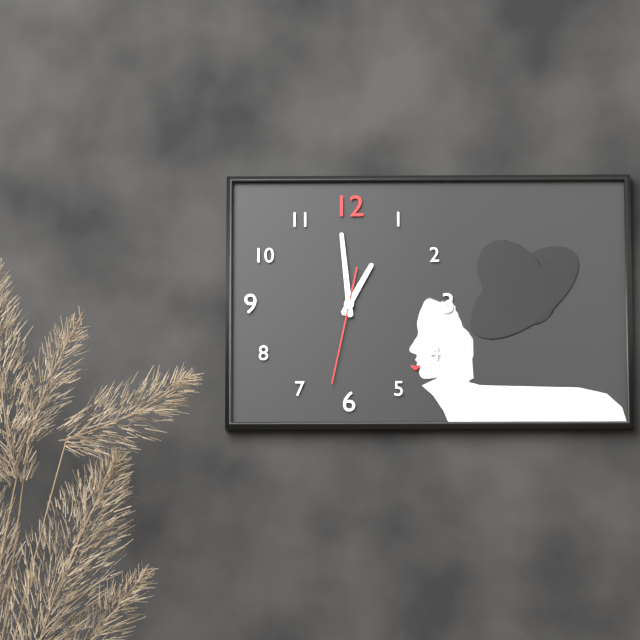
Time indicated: 12:59:32
